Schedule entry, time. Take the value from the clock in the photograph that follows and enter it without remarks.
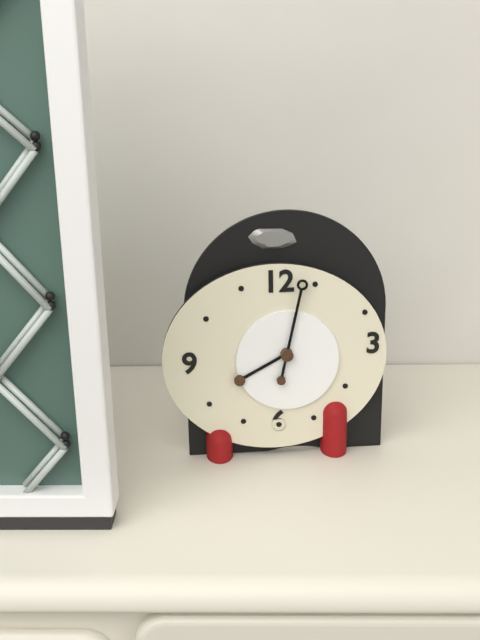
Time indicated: 8:02
